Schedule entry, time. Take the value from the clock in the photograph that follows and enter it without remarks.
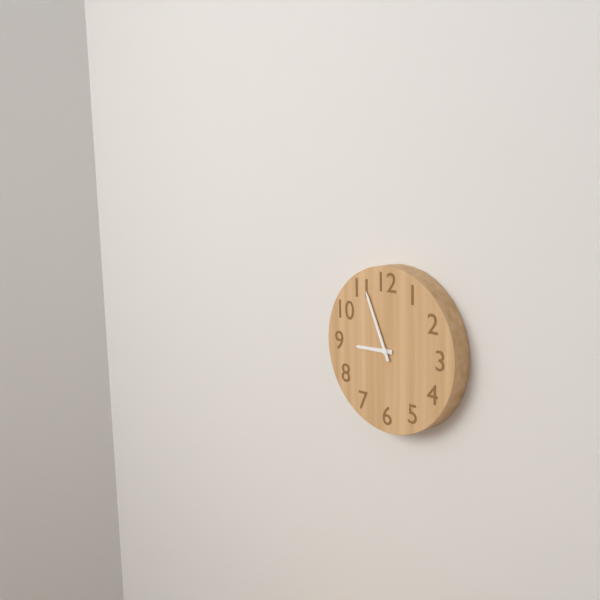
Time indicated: 8:56
